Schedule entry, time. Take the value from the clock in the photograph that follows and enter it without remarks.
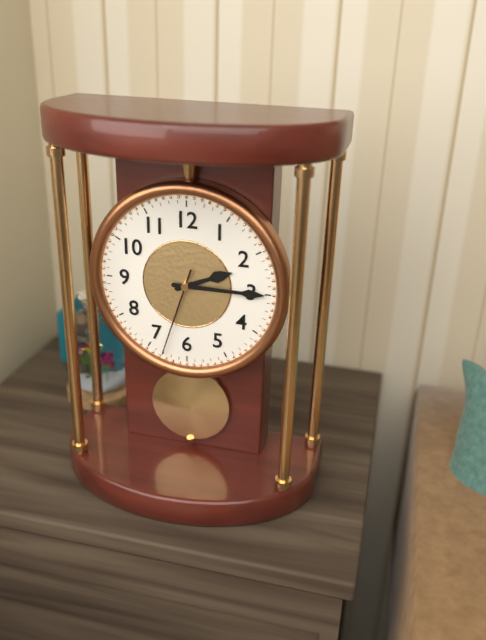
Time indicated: 2:15:33
